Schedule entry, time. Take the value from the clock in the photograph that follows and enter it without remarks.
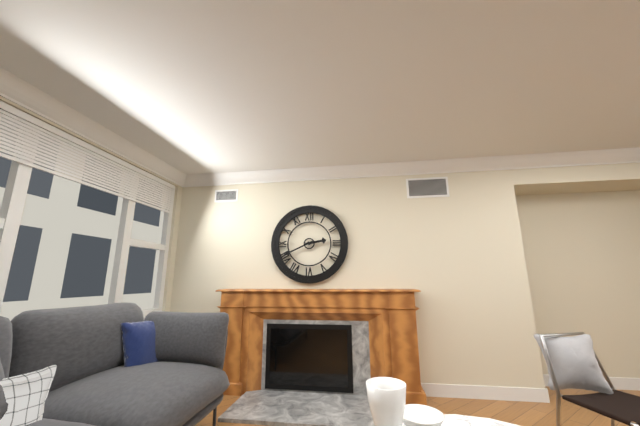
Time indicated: 2:41
